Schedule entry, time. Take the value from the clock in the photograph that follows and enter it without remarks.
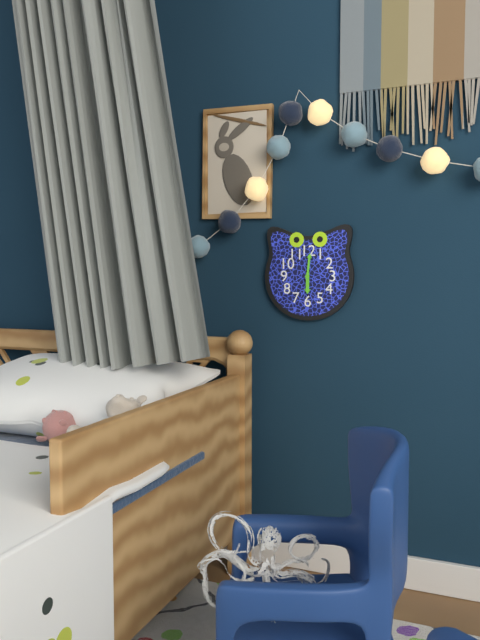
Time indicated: 6:01
